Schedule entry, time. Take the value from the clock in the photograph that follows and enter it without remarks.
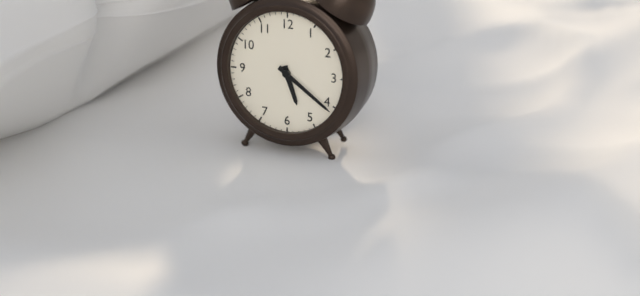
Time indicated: 5:21
